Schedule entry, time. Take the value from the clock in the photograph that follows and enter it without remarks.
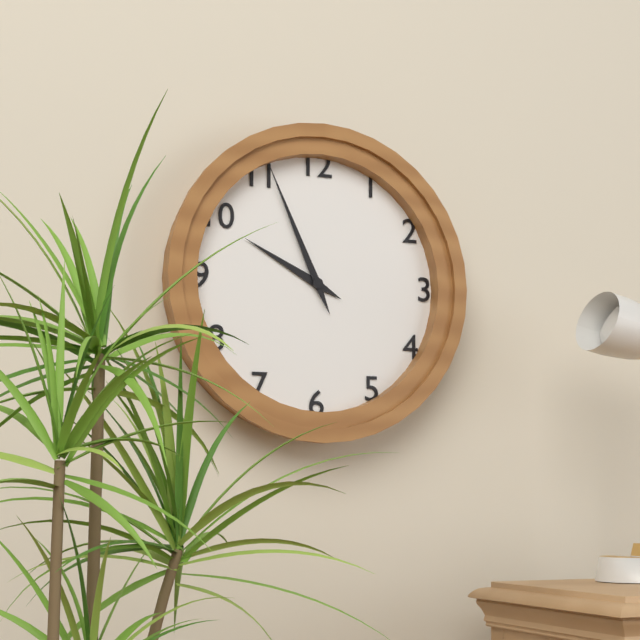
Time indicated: 9:56
